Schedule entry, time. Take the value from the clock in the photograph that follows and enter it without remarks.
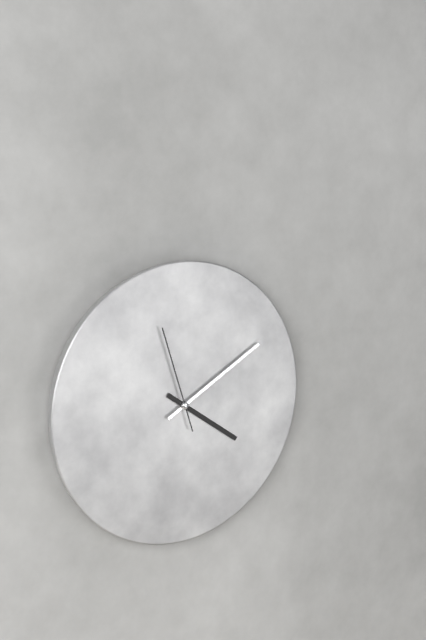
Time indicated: 4:10:57
